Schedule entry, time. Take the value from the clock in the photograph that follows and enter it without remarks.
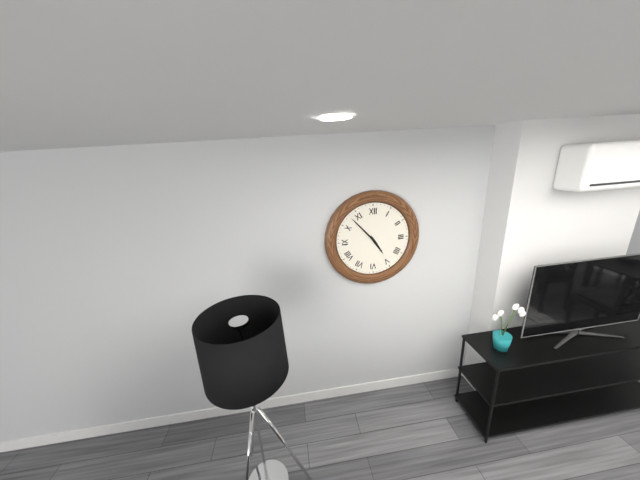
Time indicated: 4:53
